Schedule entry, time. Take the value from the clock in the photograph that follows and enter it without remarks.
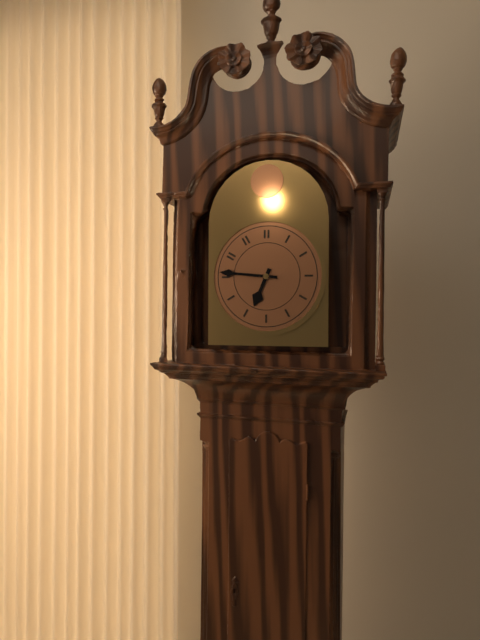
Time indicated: 6:46
